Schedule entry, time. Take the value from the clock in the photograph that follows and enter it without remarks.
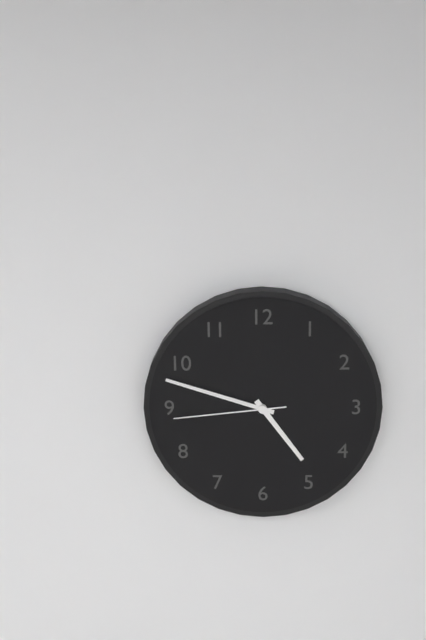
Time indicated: 4:48:44
